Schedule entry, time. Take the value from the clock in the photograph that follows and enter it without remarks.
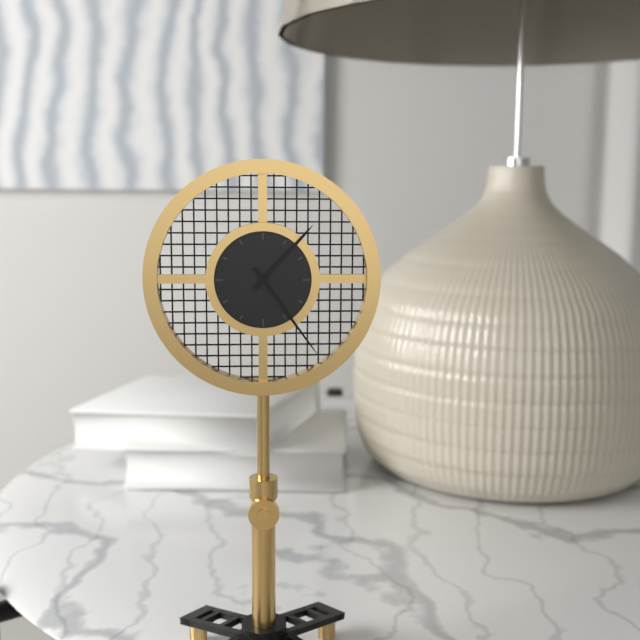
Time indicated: 1:24
